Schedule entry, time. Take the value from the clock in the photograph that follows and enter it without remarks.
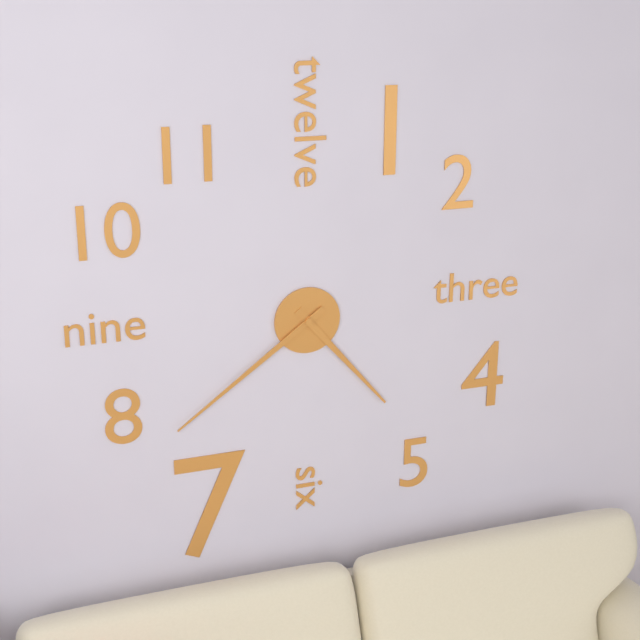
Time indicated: 4:39
